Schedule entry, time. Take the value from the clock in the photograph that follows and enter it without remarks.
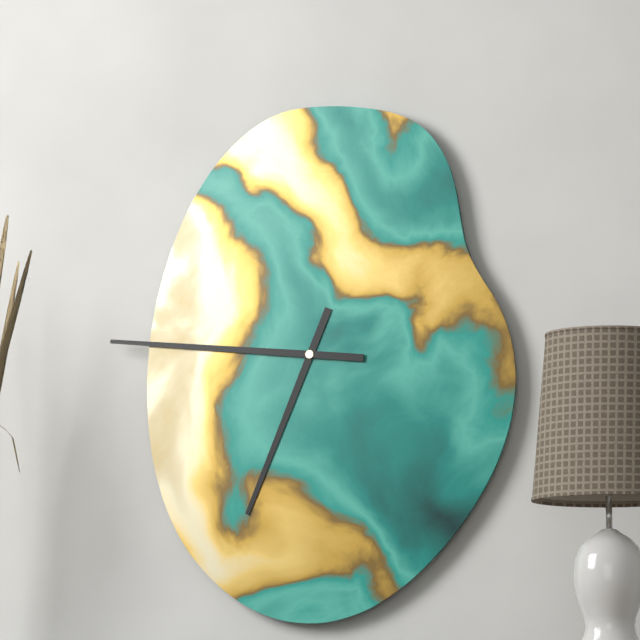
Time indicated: 6:46
